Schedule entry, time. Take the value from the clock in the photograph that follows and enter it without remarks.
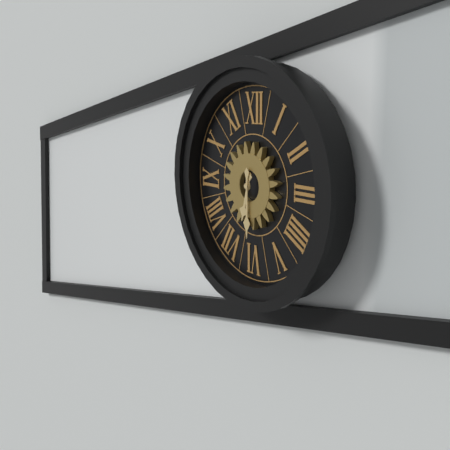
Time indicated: 6:30
